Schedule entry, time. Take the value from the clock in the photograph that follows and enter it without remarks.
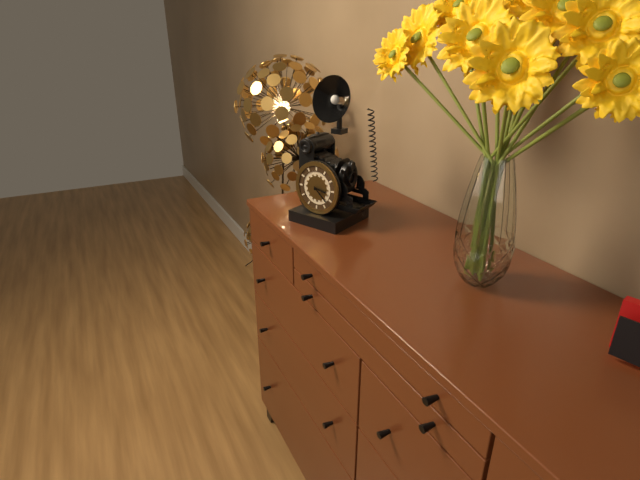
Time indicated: 3:22
